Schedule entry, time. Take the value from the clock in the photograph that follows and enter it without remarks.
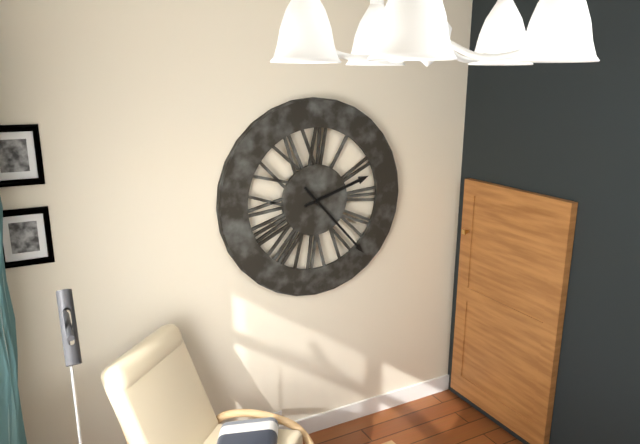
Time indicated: 2:23
